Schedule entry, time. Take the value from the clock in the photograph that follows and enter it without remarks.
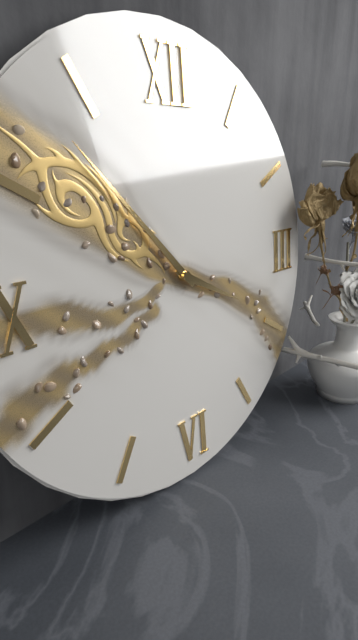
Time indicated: 3:53
